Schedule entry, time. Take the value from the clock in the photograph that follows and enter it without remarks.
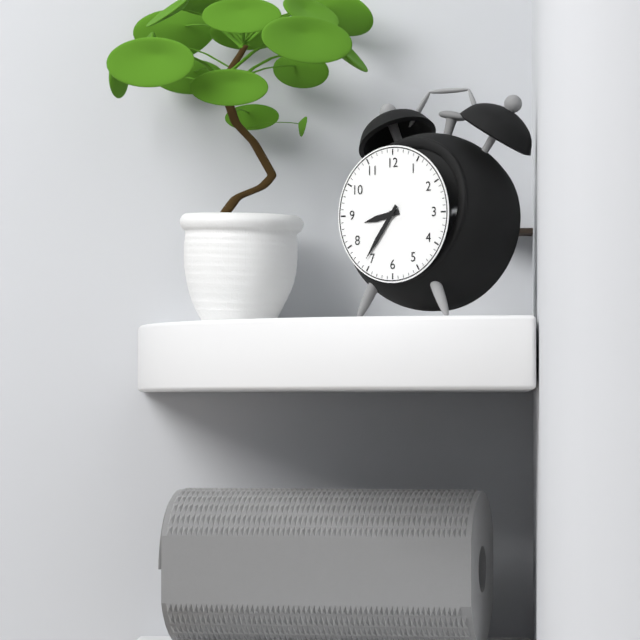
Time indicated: 8:36
